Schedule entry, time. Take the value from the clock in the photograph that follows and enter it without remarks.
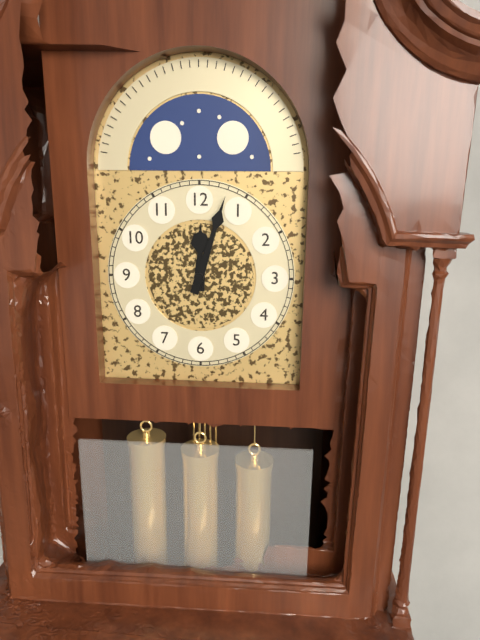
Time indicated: 12:03
